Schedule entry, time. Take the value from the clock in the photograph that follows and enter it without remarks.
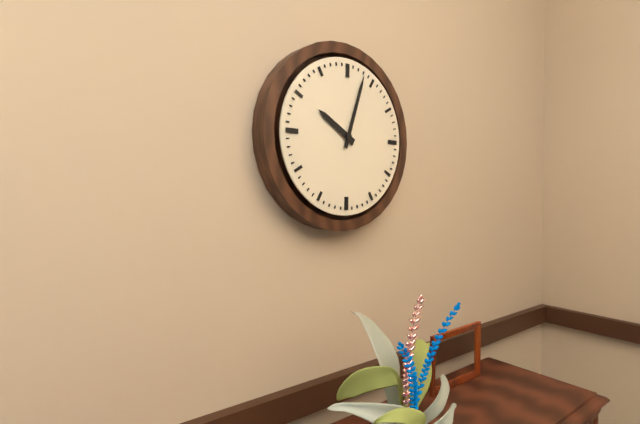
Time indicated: 10:03
